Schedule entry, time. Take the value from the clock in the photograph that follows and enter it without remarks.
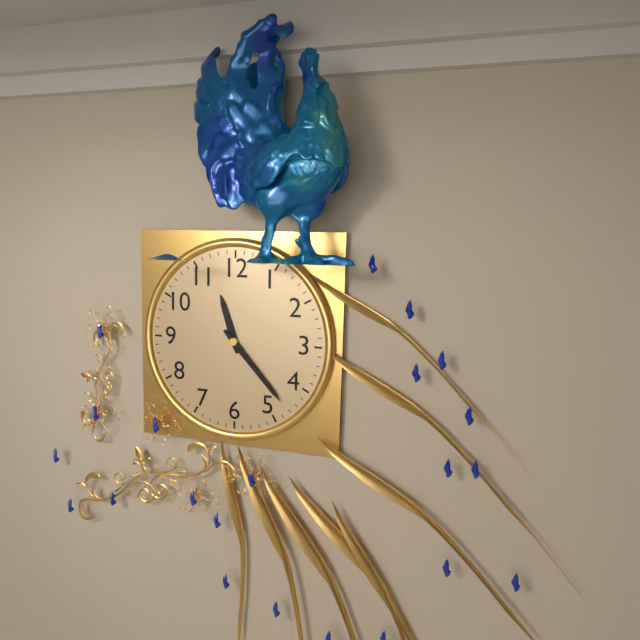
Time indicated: 11:23
